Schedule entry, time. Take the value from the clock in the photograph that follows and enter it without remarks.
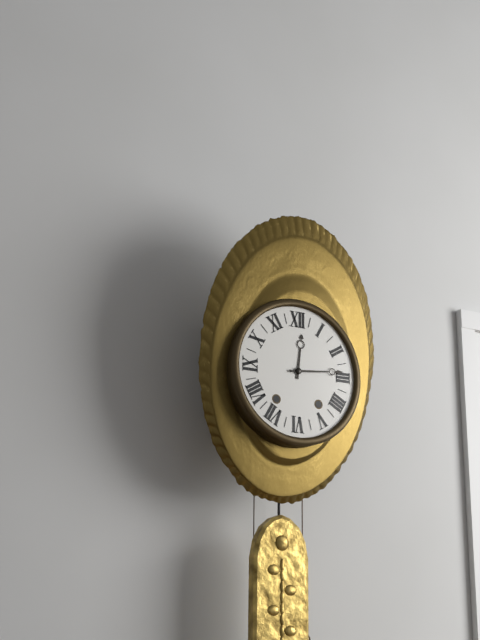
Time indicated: 12:14
